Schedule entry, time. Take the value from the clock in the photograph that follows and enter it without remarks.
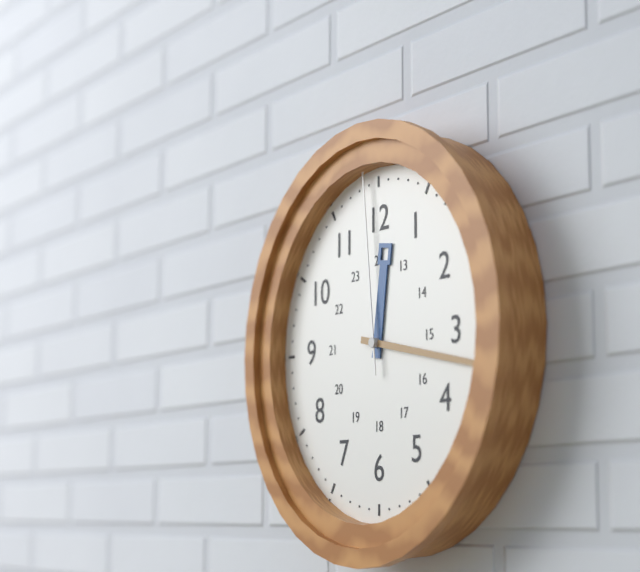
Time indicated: 12:17:59
